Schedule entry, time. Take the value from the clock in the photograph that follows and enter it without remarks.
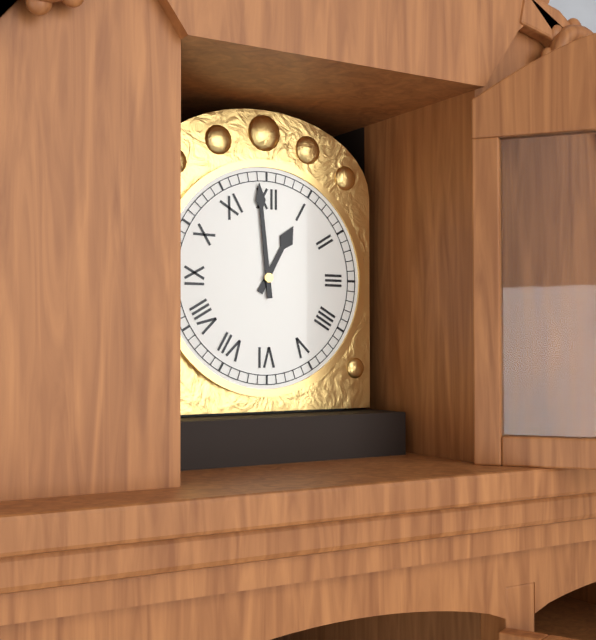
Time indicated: 12:59
